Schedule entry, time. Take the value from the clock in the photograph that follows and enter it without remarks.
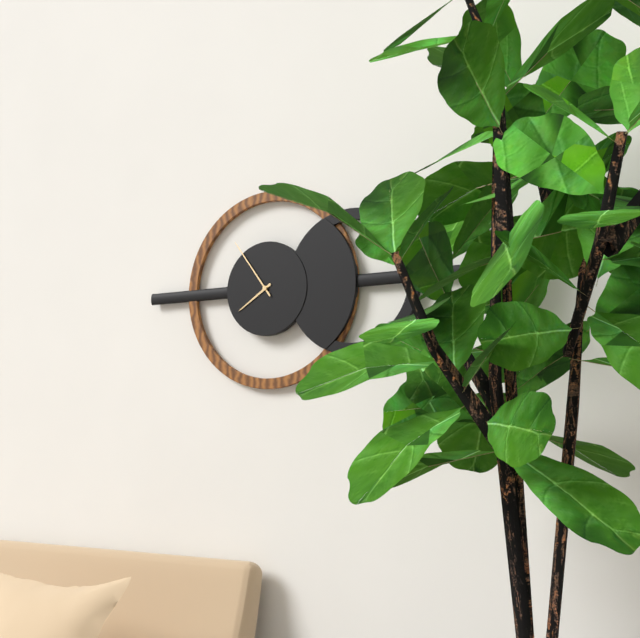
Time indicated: 7:54
